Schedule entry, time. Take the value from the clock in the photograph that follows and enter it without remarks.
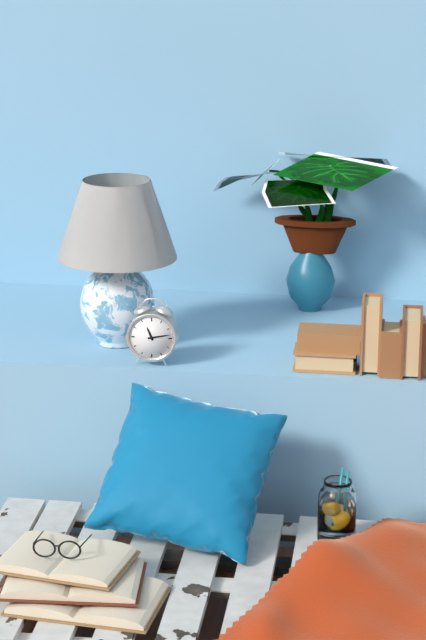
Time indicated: 11:13
